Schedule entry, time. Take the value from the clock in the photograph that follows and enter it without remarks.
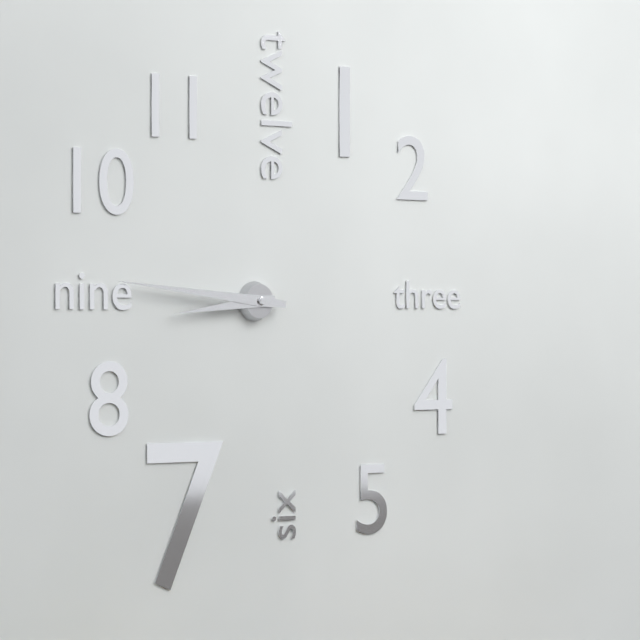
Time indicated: 8:46
